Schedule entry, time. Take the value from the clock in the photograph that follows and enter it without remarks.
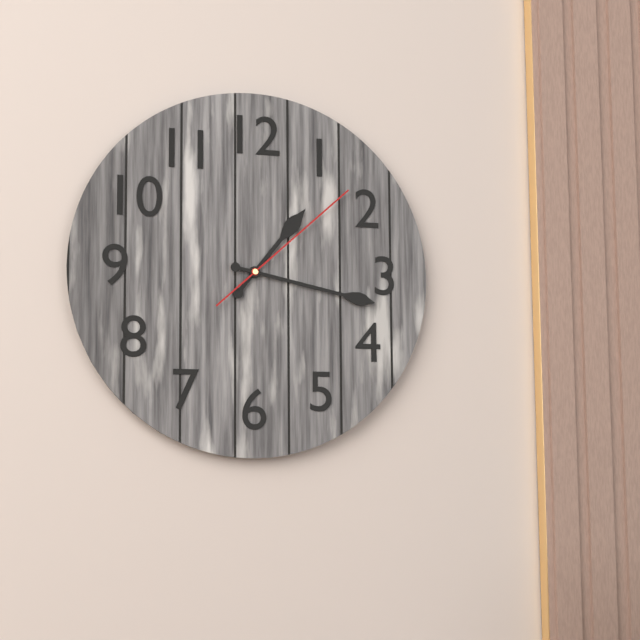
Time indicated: 1:17:08
